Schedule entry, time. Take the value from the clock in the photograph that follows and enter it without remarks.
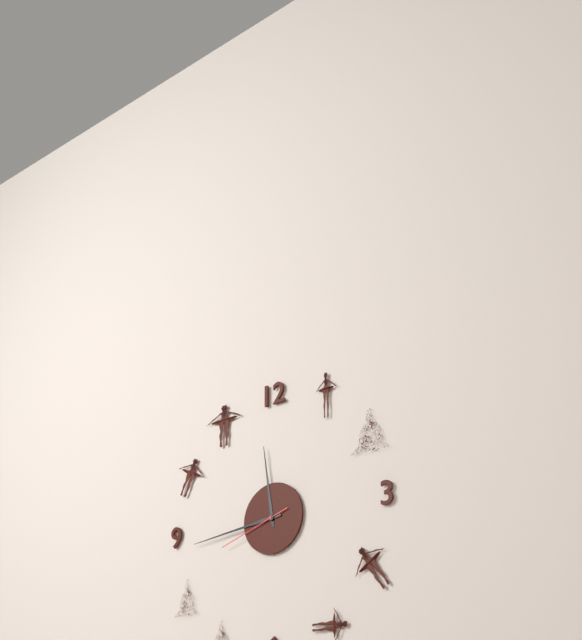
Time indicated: 11:44:42
